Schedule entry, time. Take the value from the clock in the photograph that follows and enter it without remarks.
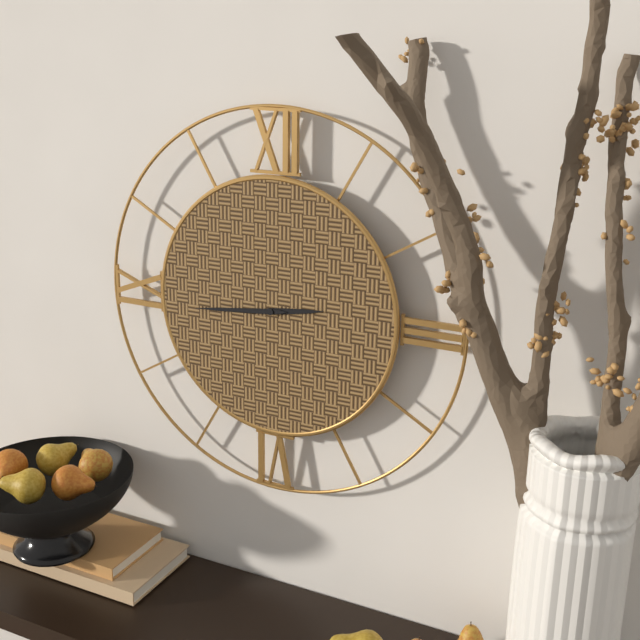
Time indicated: 2:44
